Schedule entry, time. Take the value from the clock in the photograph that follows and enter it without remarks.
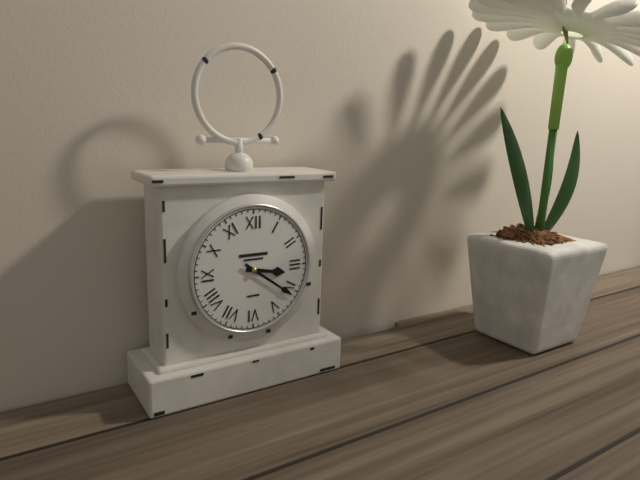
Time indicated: 3:21
